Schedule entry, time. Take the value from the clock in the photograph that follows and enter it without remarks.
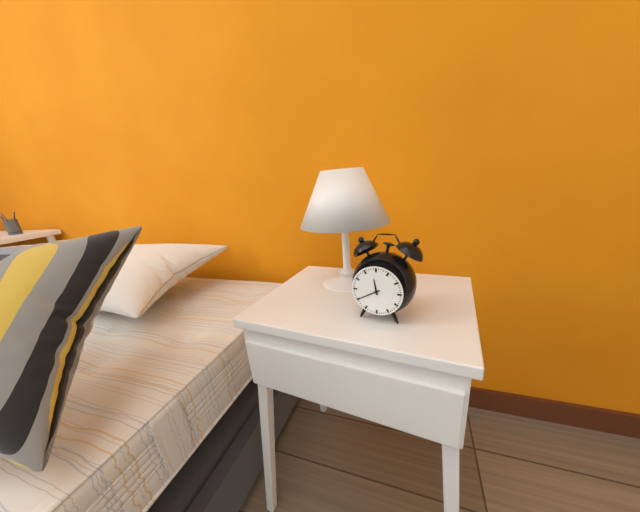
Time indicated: 11:40
